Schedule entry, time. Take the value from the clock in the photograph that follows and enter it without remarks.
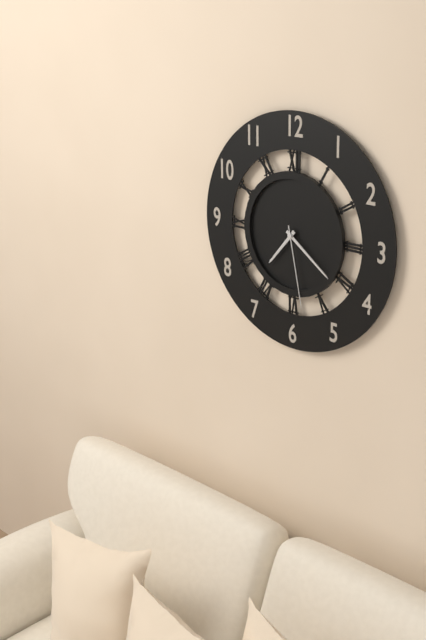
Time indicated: 7:21:28
